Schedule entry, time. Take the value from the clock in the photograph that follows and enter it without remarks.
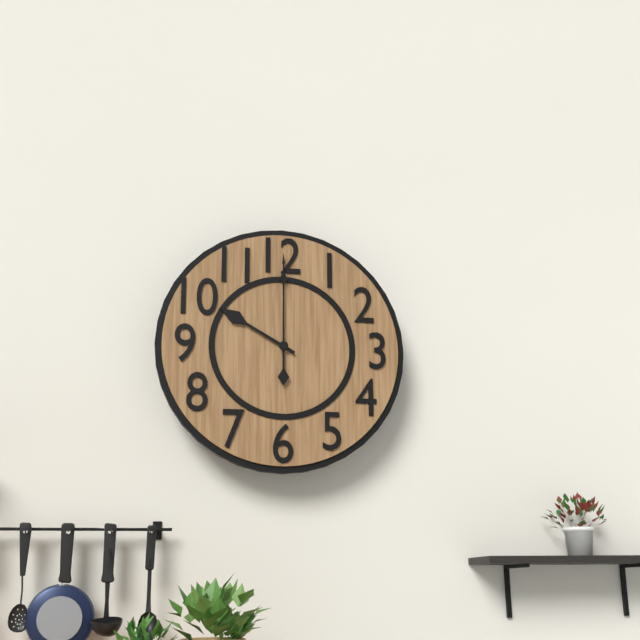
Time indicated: 10:00
